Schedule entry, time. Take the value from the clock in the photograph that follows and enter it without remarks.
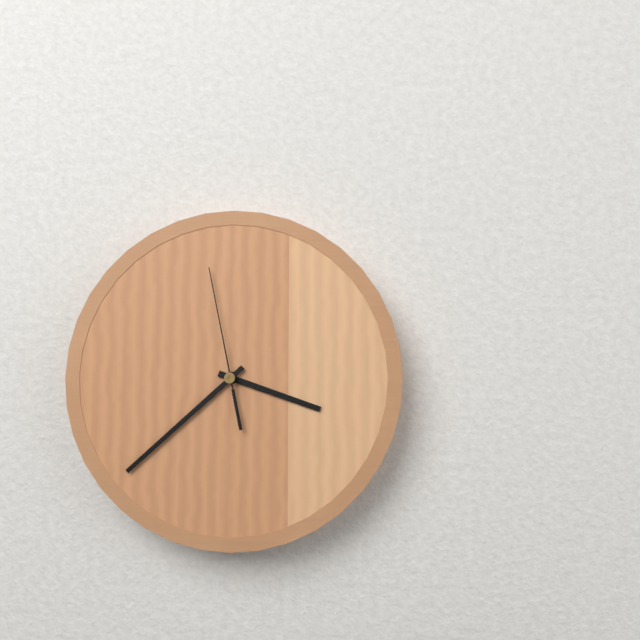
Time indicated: 3:38:58
